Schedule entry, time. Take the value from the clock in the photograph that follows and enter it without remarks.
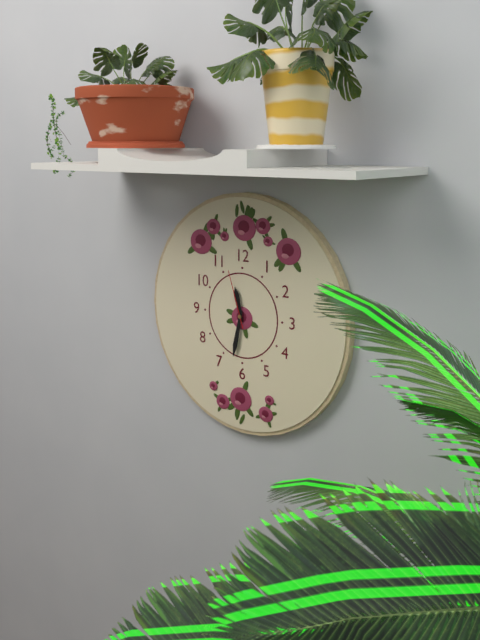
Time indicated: 11:32:57
